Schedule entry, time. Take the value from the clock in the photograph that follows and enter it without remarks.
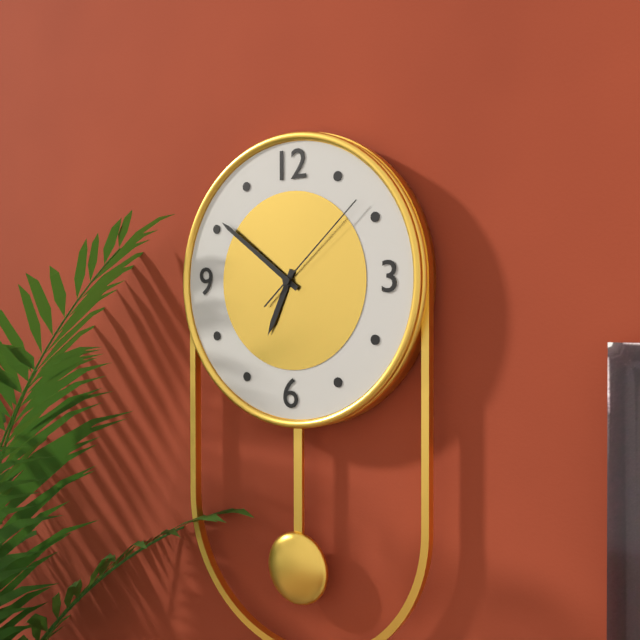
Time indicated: 6:51:08
